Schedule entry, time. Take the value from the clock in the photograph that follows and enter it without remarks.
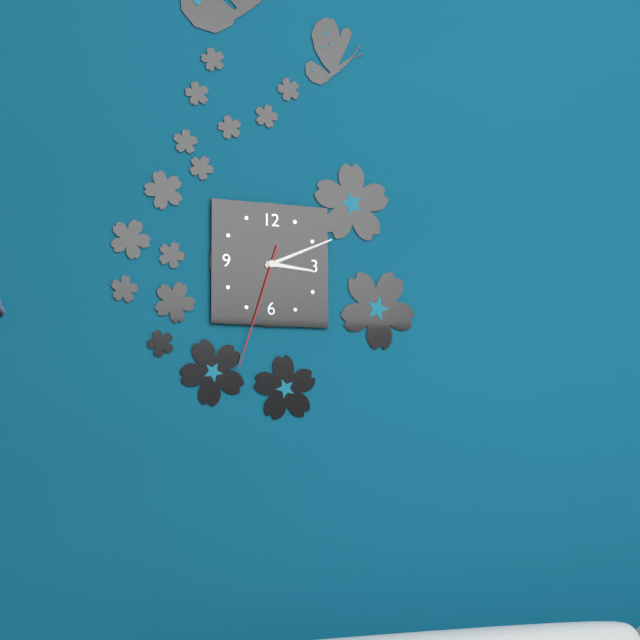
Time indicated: 3:11:33
